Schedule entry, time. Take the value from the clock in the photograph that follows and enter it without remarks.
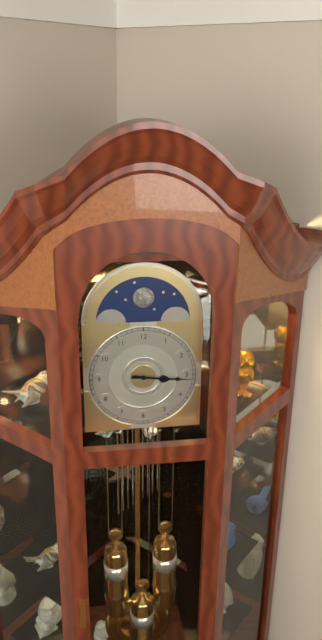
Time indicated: 3:16
